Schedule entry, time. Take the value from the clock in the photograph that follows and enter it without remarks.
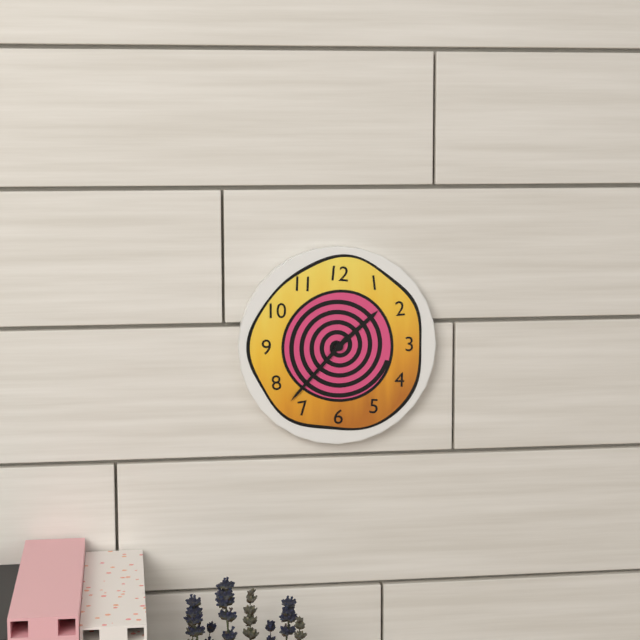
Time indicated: 1:37
